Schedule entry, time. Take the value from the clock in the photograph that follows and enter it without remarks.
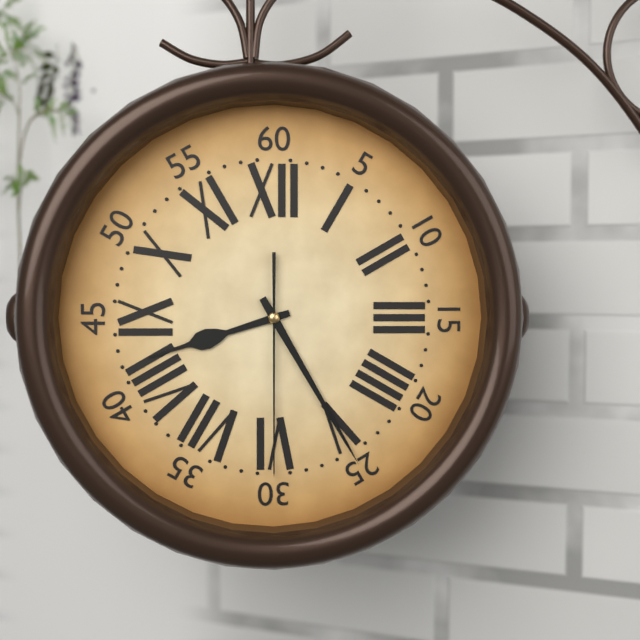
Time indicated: 8:25:30
